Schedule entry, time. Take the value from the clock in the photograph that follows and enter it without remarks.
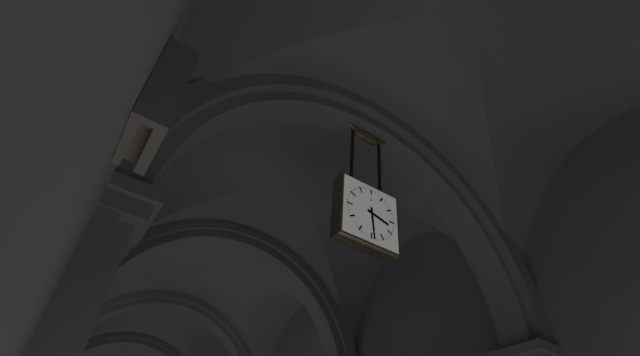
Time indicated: 3:29
